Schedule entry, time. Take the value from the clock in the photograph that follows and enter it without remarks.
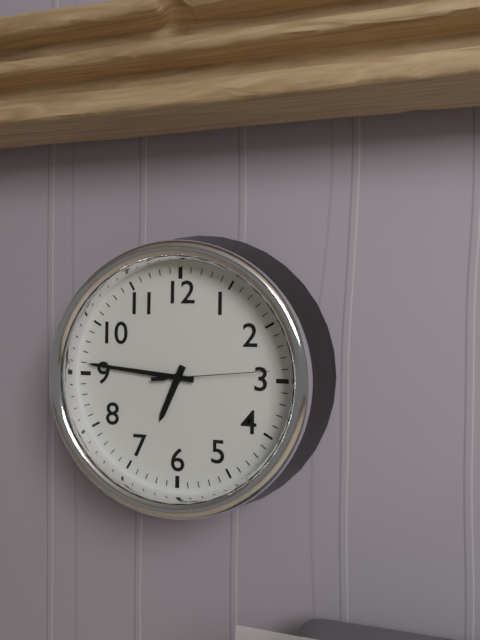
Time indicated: 6:46:14
